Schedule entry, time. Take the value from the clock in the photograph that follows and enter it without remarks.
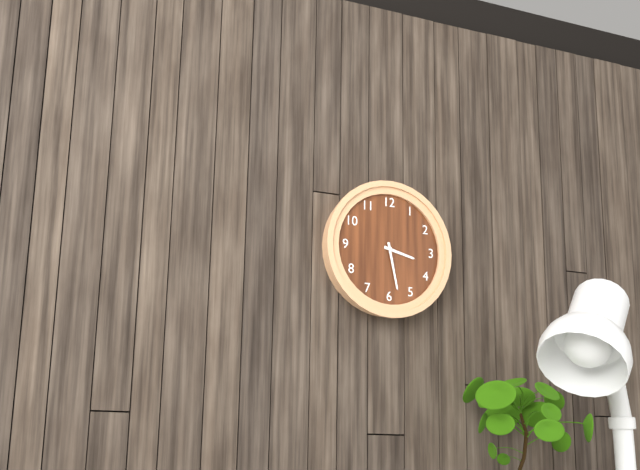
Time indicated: 3:28
